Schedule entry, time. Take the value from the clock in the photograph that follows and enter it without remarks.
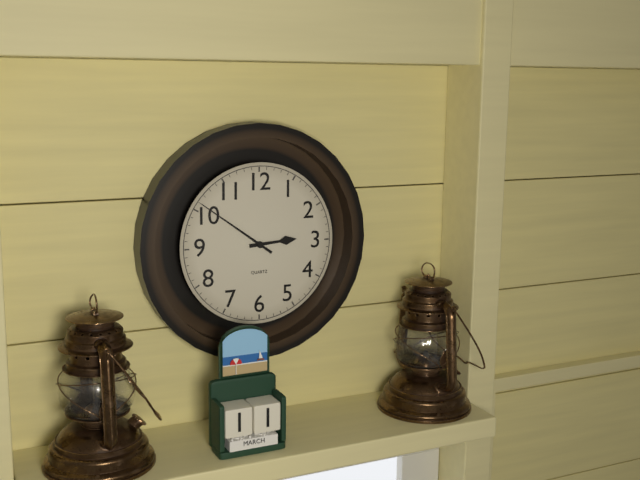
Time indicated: 2:51
